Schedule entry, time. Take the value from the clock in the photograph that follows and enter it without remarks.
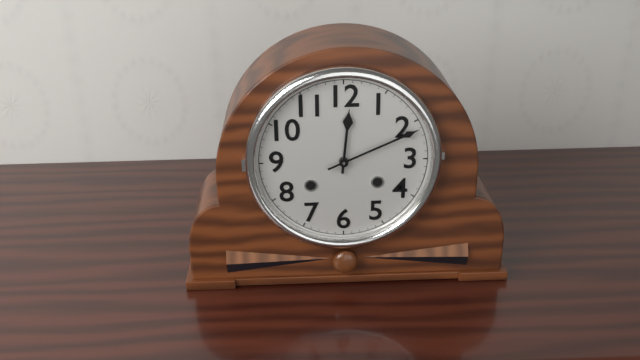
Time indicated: 12:11
